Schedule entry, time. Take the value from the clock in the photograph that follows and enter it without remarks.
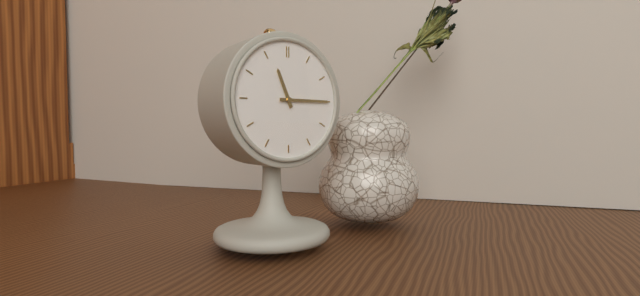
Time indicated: 11:15
